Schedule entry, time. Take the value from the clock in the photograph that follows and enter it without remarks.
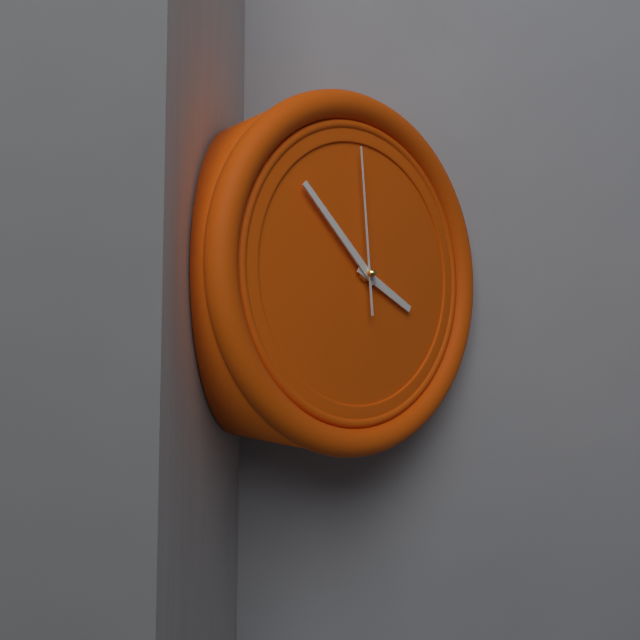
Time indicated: 3:52:59
